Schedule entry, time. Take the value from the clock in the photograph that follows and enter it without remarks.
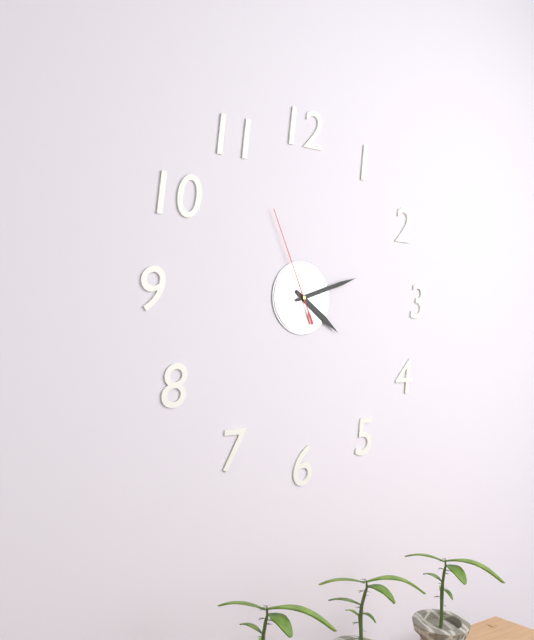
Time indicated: 4:12:56
